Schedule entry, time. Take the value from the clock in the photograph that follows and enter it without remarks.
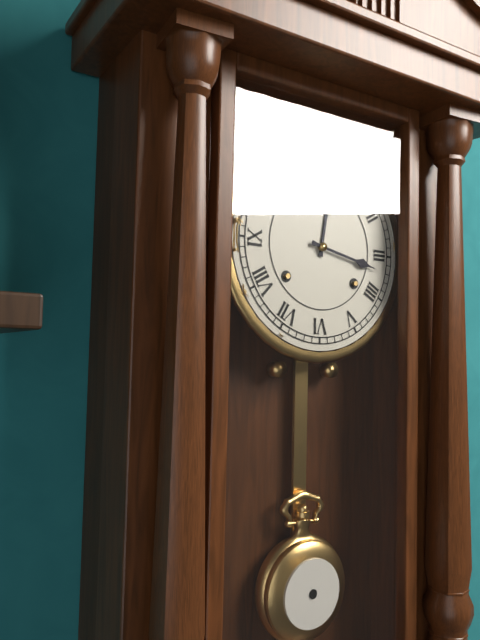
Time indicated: 12:17
